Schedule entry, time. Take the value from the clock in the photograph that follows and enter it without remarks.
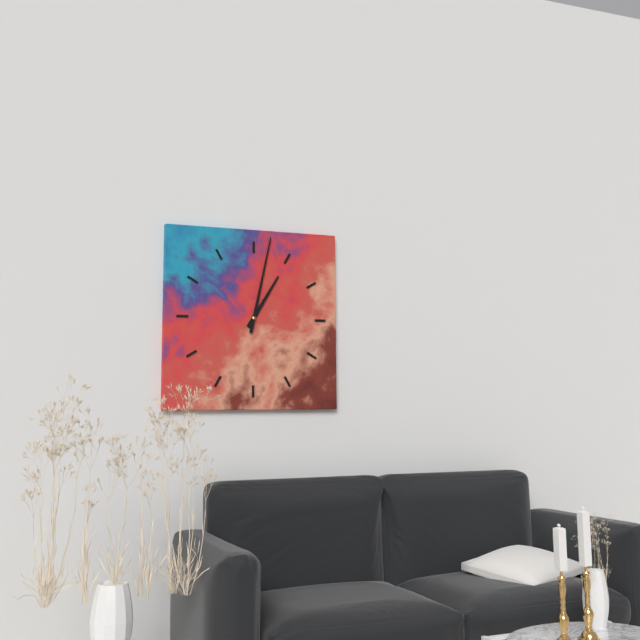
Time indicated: 1:02
